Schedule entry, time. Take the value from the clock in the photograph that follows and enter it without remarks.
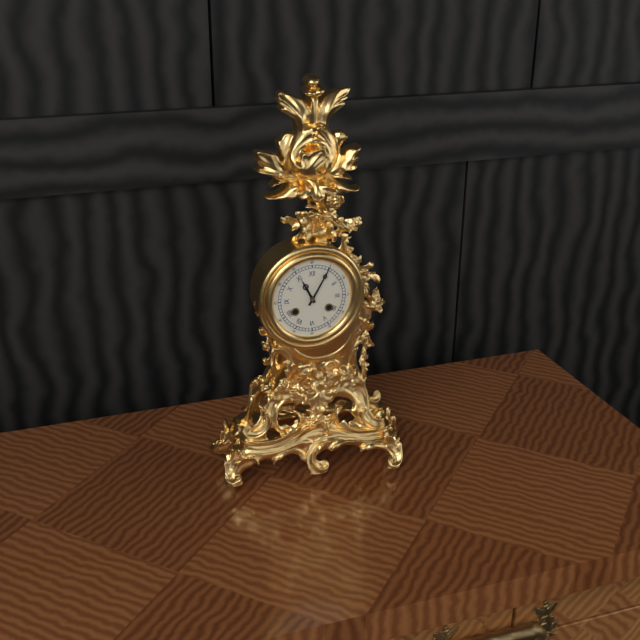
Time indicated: 11:05
